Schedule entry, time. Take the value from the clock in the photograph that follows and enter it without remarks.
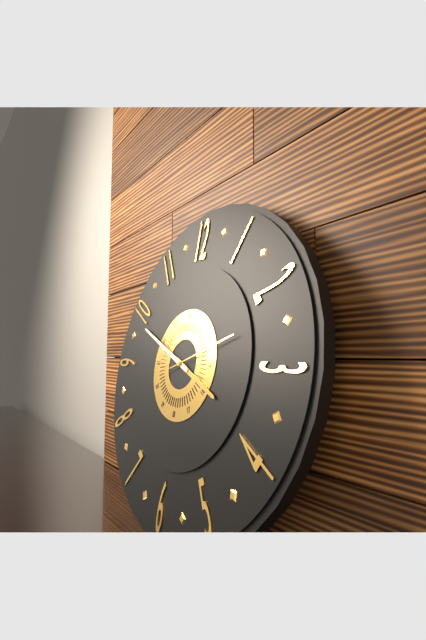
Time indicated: 3:49:12
